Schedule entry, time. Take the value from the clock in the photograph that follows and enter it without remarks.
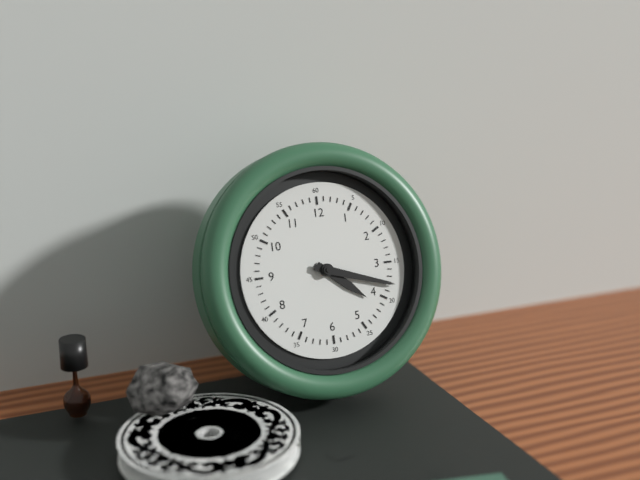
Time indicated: 4:18
